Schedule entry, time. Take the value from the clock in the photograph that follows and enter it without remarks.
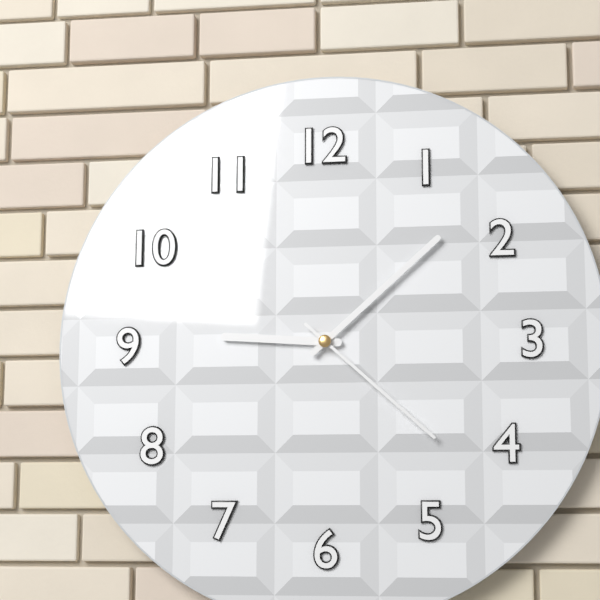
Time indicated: 9:08:22
